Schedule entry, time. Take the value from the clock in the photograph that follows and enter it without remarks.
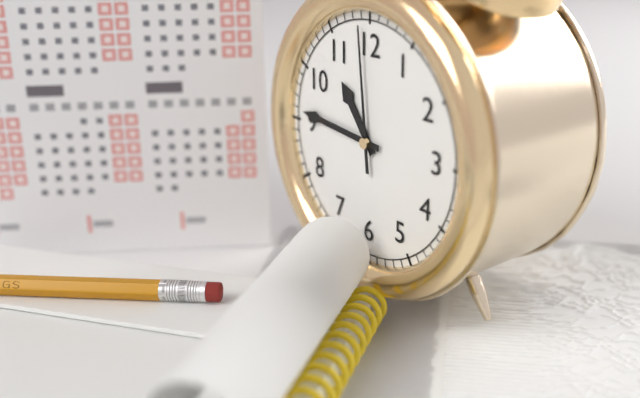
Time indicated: 10:46:59
